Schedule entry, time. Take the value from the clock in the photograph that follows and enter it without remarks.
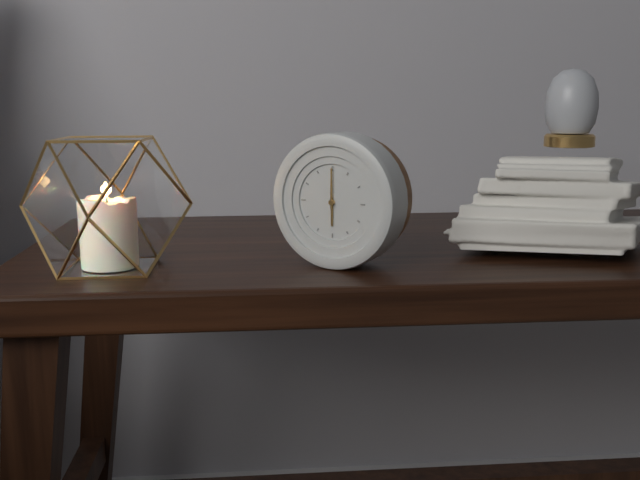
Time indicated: 6:00
